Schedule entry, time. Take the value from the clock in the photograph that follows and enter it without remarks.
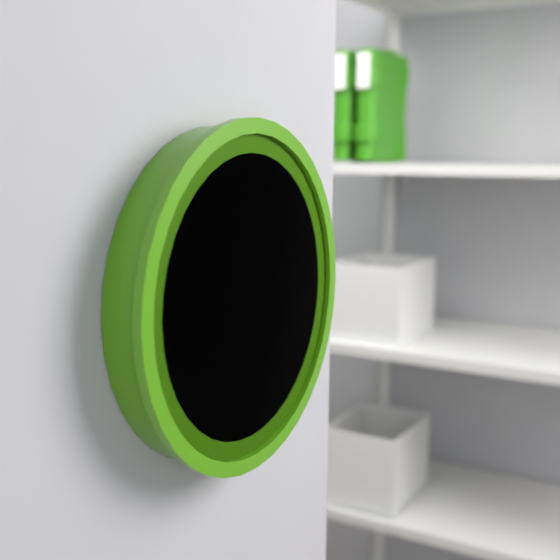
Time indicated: 9:51:06
